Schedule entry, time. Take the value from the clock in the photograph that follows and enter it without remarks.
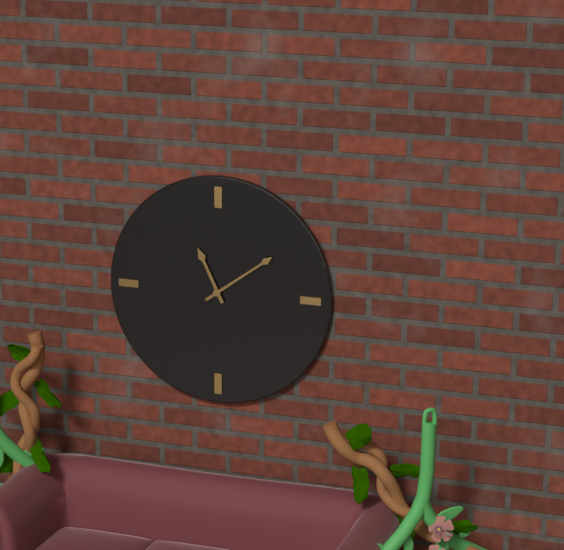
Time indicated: 11:09
